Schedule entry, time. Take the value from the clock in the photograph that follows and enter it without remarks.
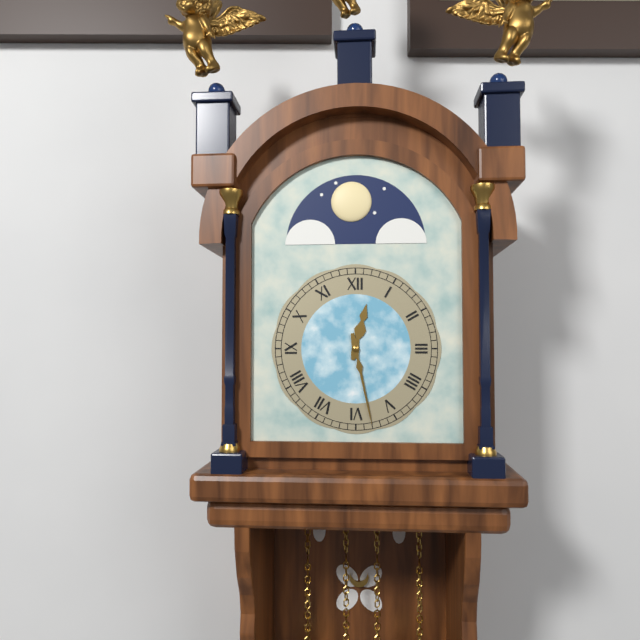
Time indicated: 12:28
